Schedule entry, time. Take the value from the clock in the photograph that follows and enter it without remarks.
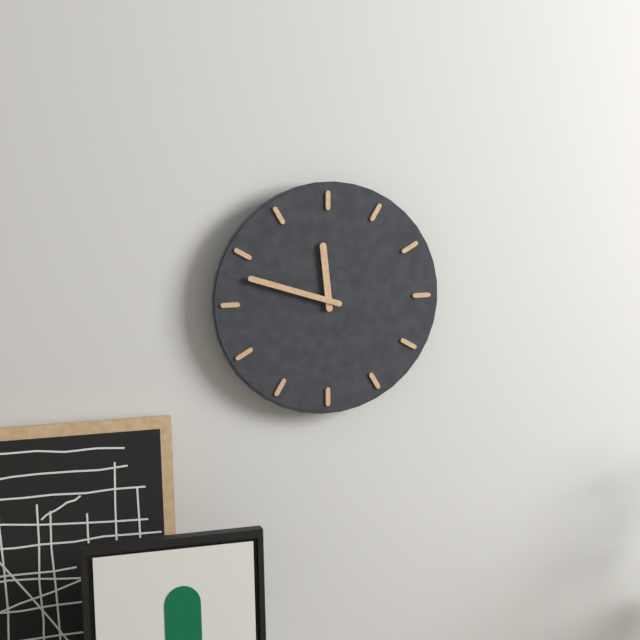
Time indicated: 11:48
